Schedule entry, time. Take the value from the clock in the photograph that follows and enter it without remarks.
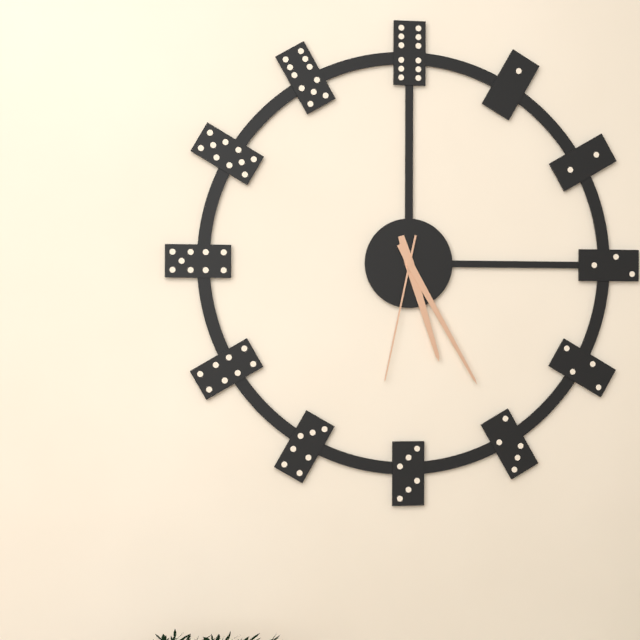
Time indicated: 5:25:32
